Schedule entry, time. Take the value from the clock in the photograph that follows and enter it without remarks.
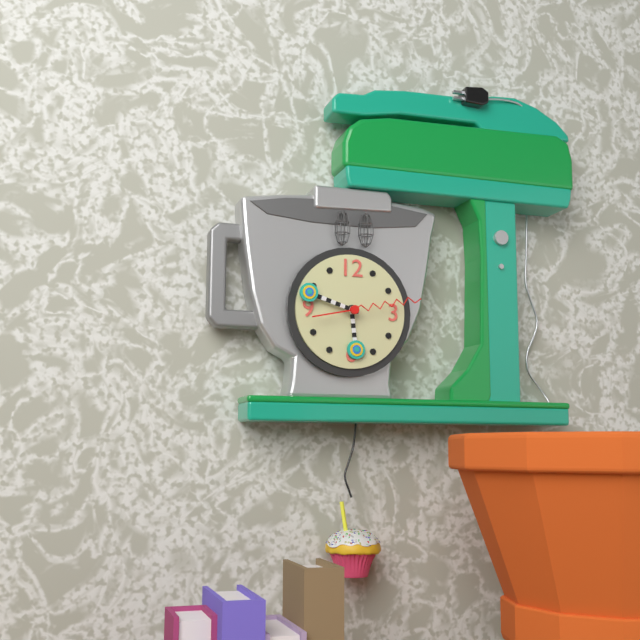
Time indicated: 5:48:13
